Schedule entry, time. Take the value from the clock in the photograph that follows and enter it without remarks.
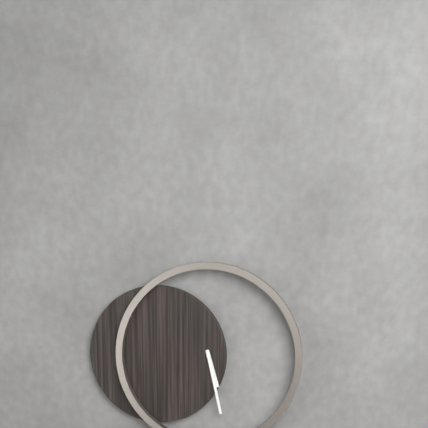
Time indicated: 5:28
